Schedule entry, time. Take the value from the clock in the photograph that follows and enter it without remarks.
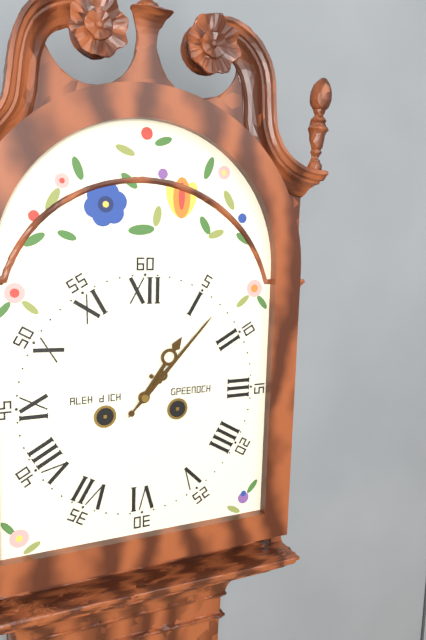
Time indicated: 1:07
